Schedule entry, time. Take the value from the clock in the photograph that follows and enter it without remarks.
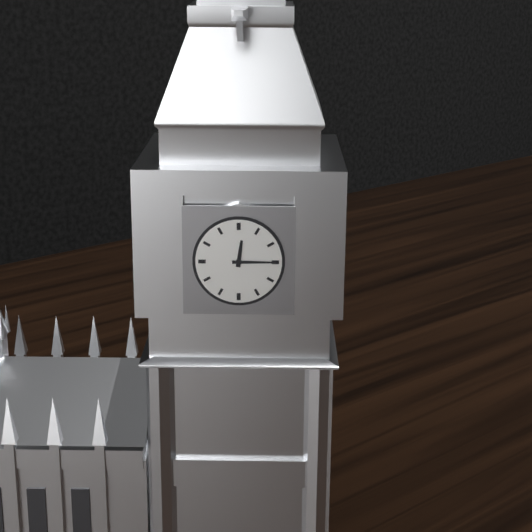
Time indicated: 12:15
